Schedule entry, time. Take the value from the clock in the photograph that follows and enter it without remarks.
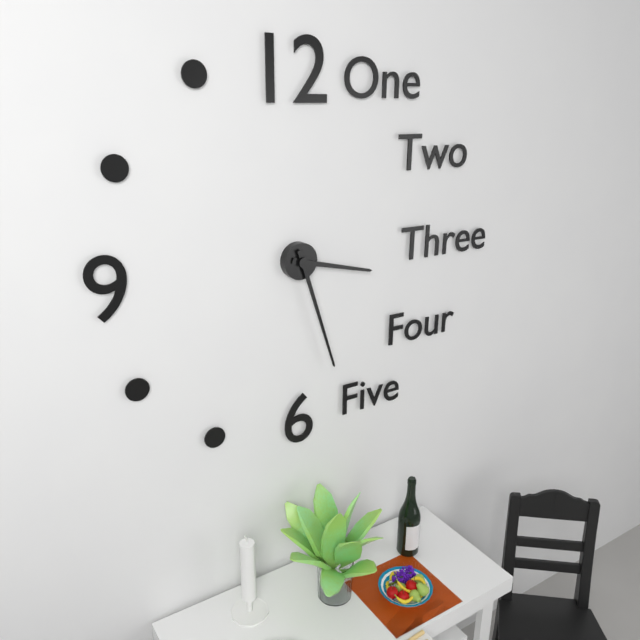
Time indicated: 3:27
